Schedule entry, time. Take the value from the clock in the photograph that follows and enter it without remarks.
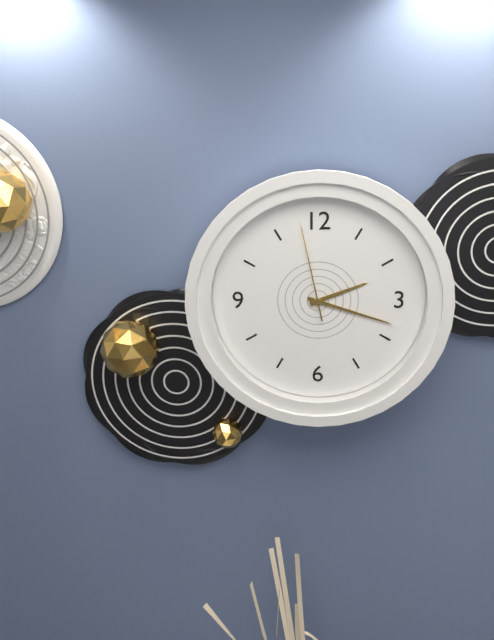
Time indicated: 2:18:58
